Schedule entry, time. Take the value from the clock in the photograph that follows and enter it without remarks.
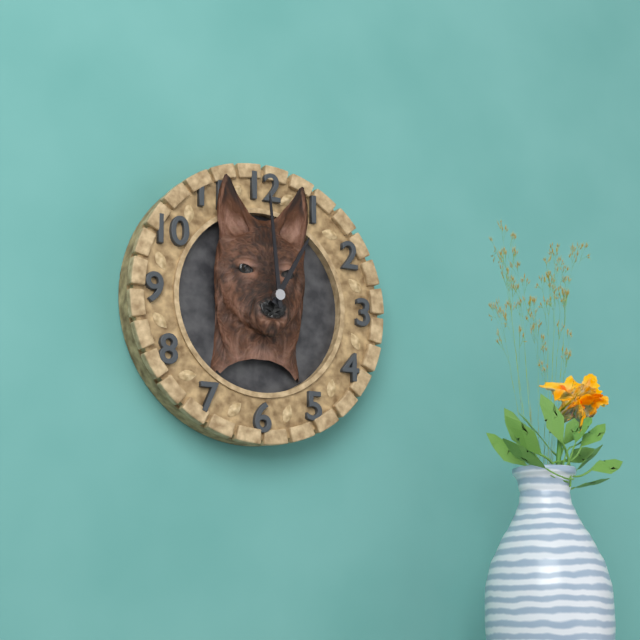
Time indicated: 12:59
